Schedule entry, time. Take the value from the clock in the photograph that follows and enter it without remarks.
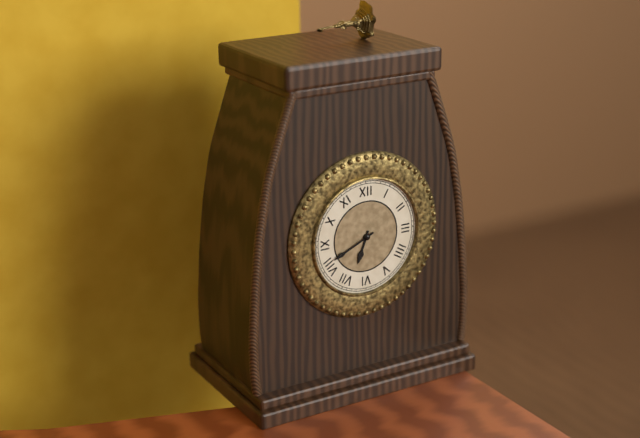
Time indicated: 6:41
